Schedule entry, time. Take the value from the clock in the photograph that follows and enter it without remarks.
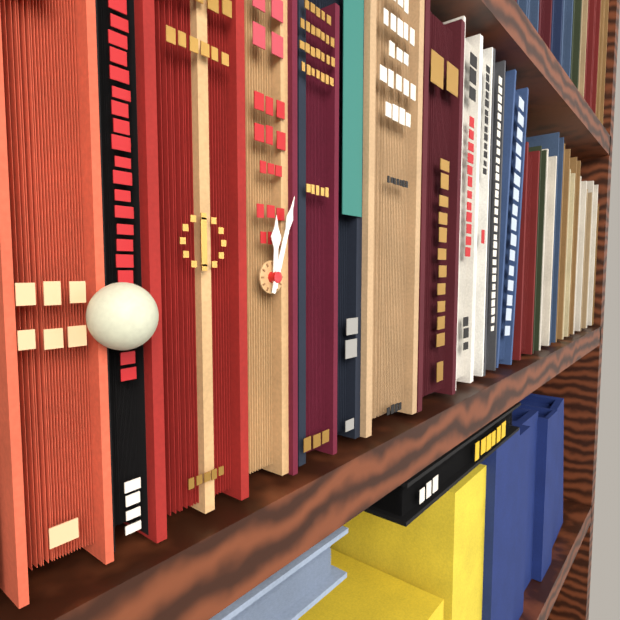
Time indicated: 12:03
